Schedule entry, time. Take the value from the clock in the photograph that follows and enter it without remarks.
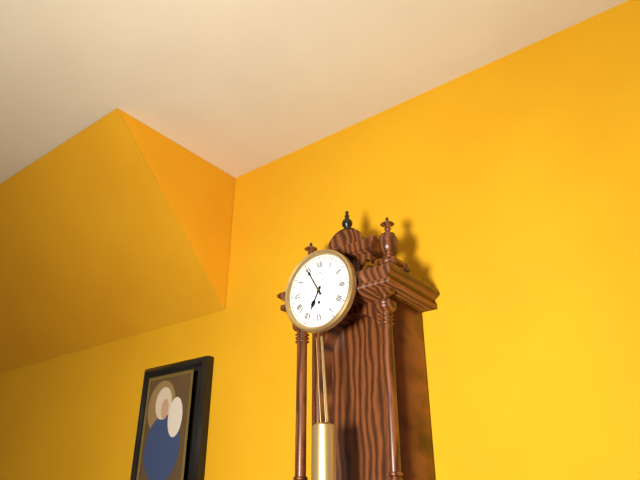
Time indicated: 6:55
